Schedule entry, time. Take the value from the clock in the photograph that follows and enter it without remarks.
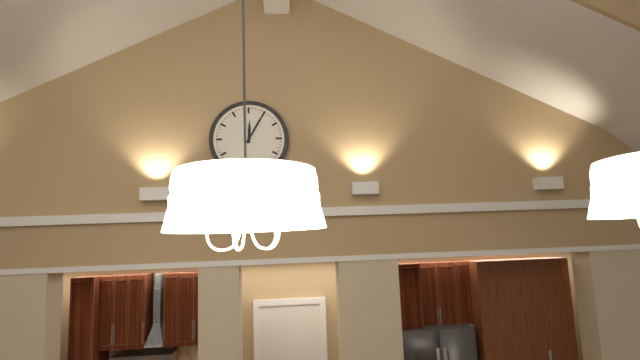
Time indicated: 12:05
